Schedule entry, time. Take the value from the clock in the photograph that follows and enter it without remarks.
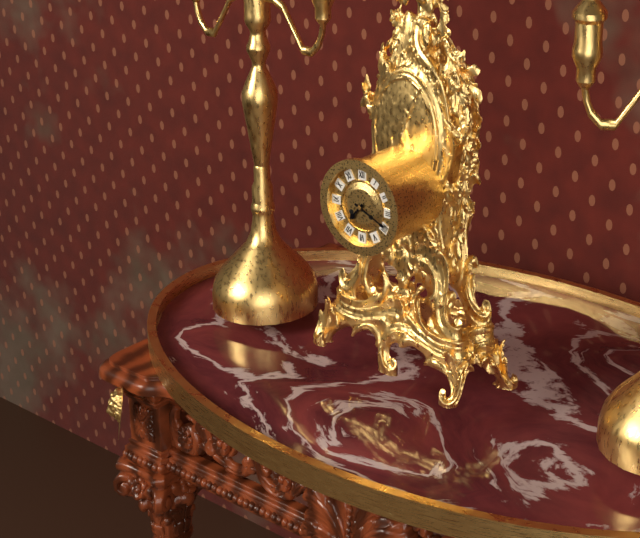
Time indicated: 7:19
